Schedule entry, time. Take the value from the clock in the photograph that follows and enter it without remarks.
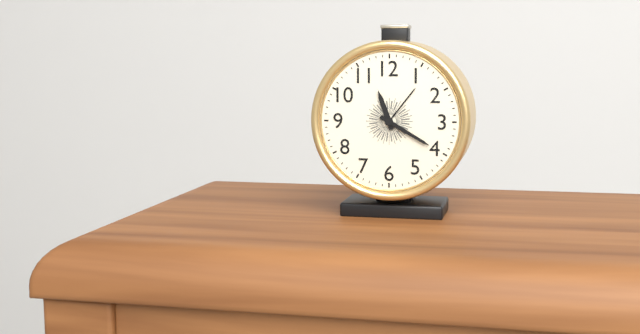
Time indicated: 11:20
